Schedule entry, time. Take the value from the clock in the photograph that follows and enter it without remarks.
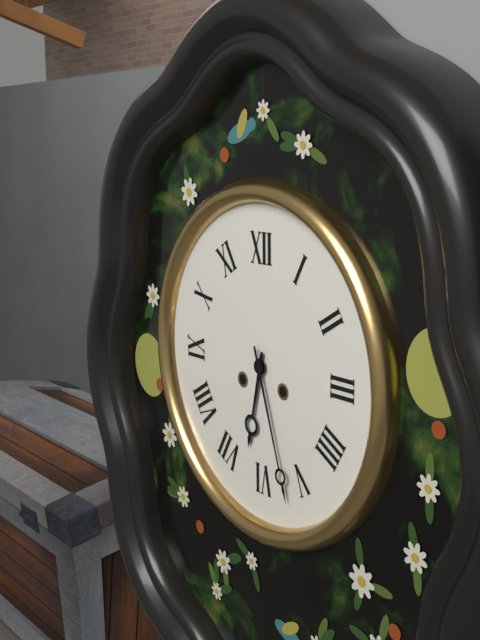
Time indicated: 6:27
